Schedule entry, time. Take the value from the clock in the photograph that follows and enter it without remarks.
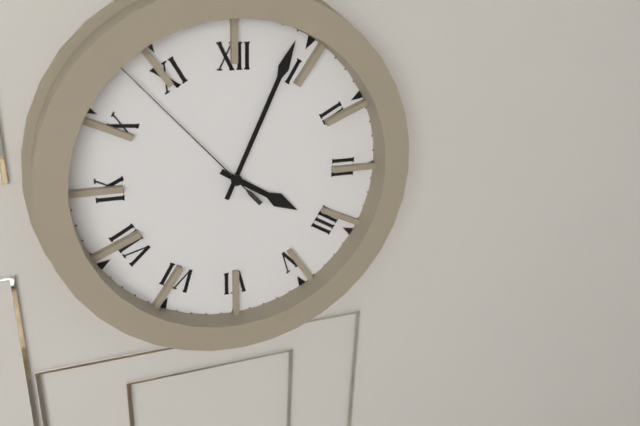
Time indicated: 4:04:53
